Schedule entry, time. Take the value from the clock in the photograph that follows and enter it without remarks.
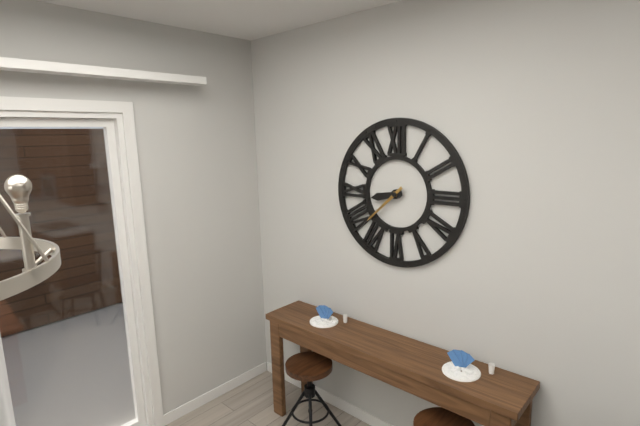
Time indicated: 8:38
